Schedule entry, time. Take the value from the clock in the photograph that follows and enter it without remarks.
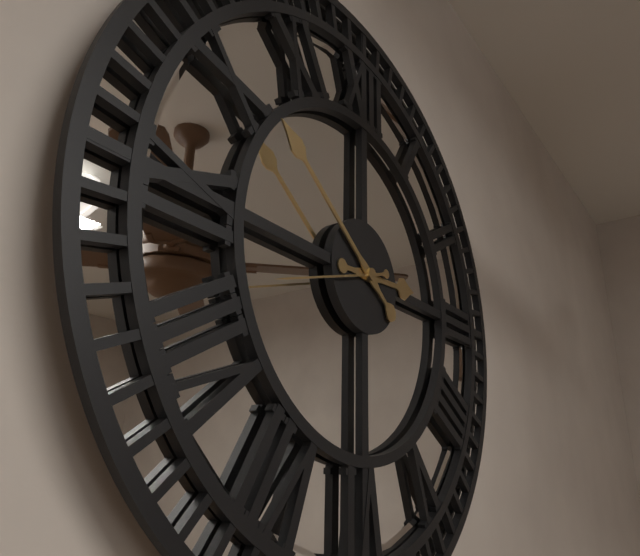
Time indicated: 2:51:42
